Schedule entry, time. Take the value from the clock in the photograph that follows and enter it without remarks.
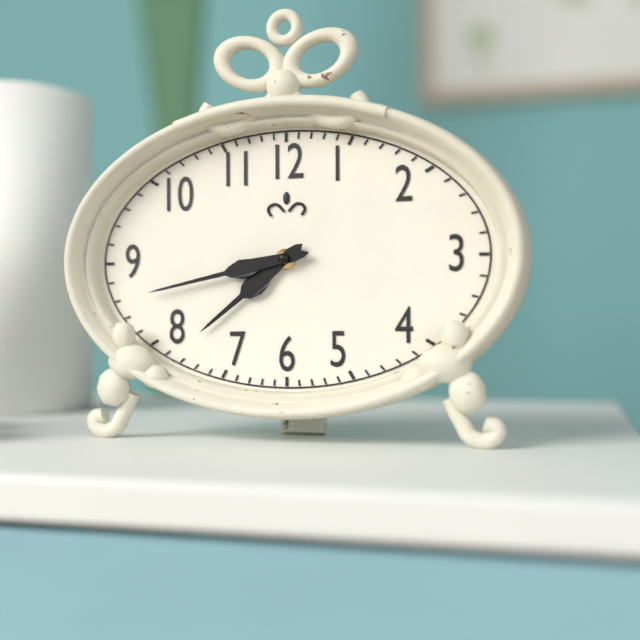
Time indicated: 7:43
